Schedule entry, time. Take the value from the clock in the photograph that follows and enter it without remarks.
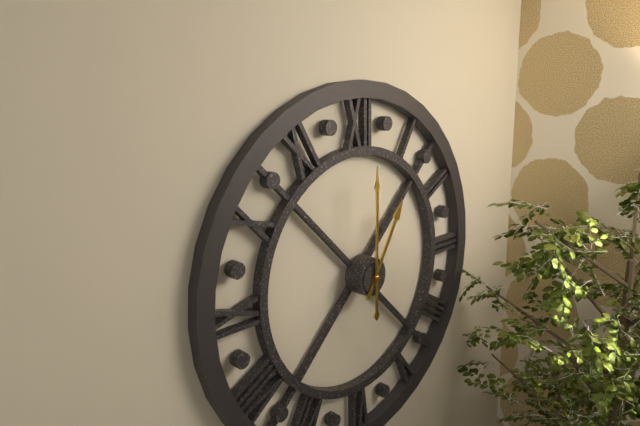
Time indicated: 1:00
